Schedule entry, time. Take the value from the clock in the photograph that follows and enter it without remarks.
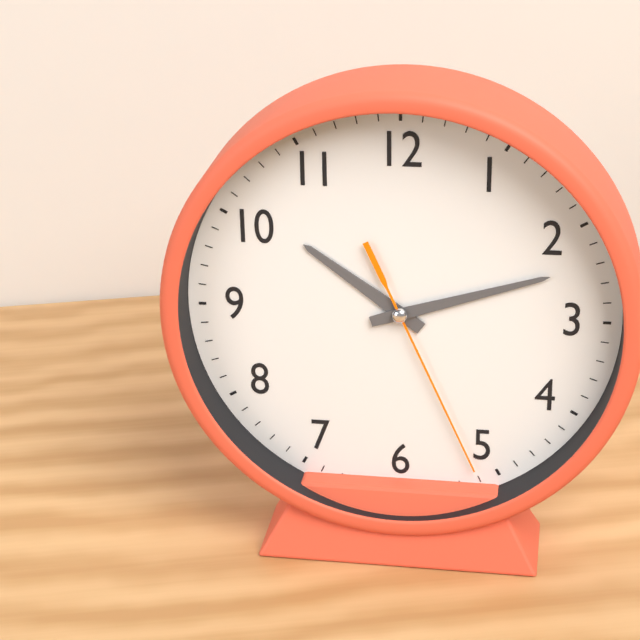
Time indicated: 10:12:26
